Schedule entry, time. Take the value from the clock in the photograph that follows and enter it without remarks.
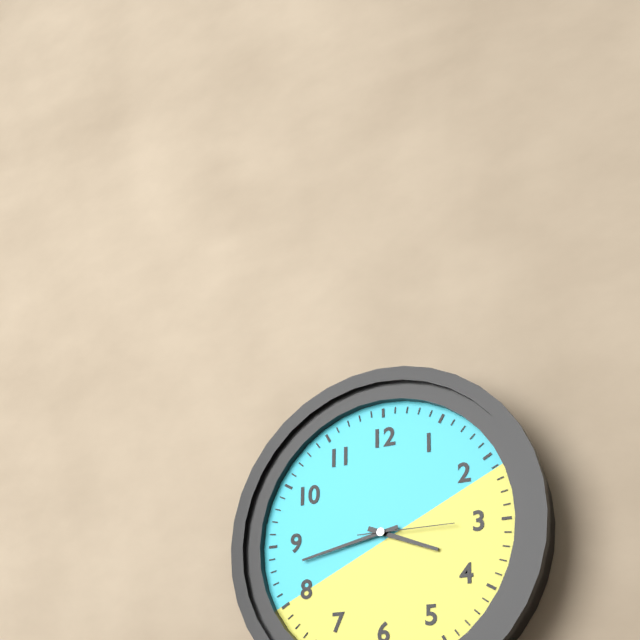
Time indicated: 3:43:15
